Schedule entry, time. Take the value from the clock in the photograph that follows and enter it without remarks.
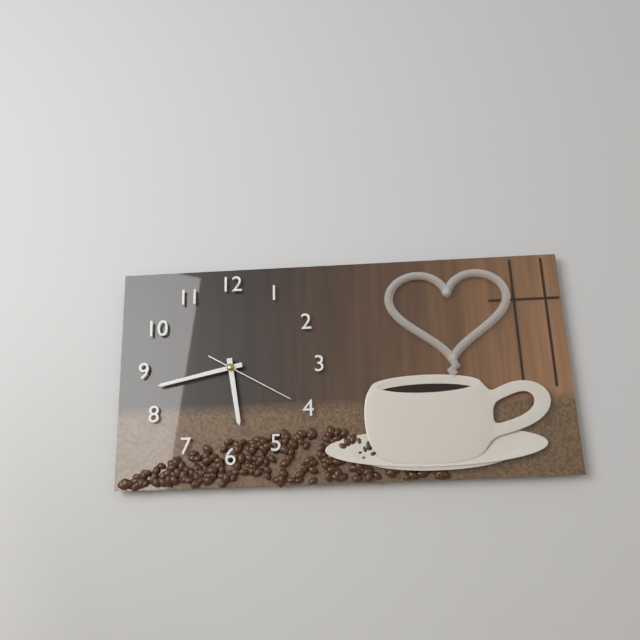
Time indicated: 5:43:20
